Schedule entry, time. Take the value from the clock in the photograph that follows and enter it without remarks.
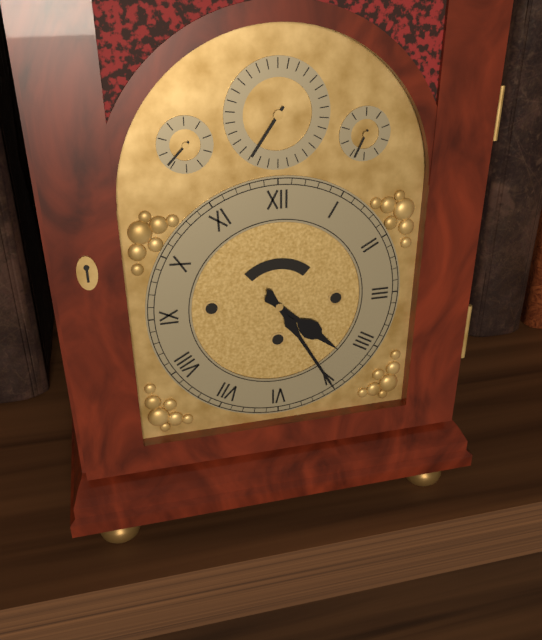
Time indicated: 4:25
